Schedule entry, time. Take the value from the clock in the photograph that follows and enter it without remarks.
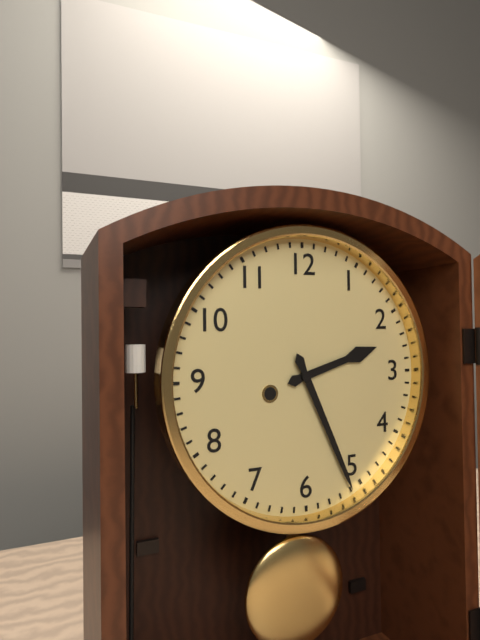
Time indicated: 2:26
